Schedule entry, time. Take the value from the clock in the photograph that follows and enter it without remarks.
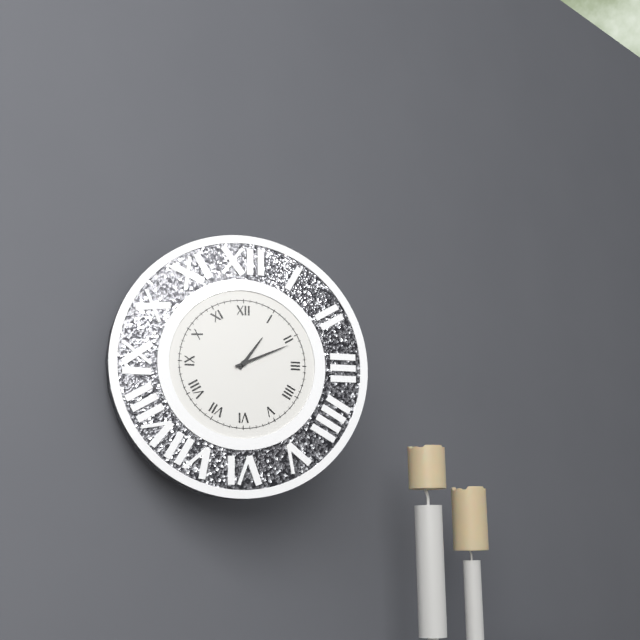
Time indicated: 1:11
